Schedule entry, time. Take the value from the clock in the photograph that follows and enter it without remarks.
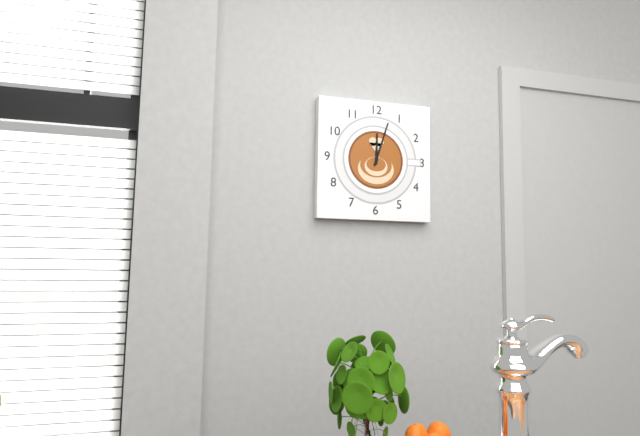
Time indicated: 12:03
